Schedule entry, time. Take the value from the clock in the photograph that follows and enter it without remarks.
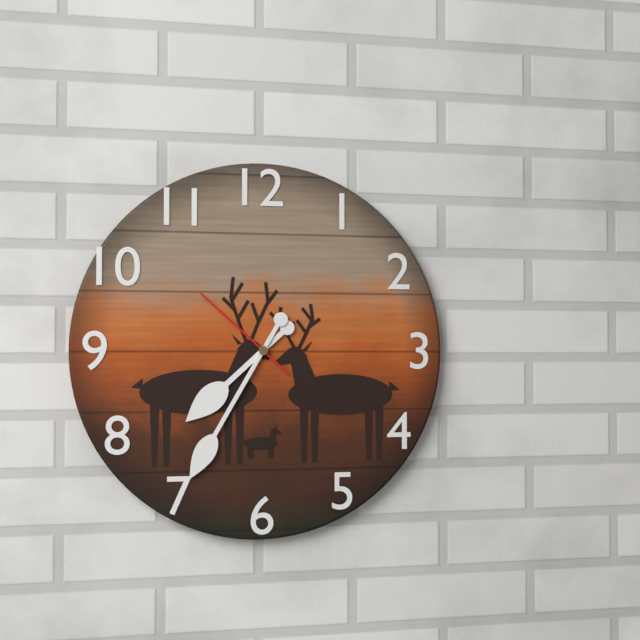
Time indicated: 7:35:52
